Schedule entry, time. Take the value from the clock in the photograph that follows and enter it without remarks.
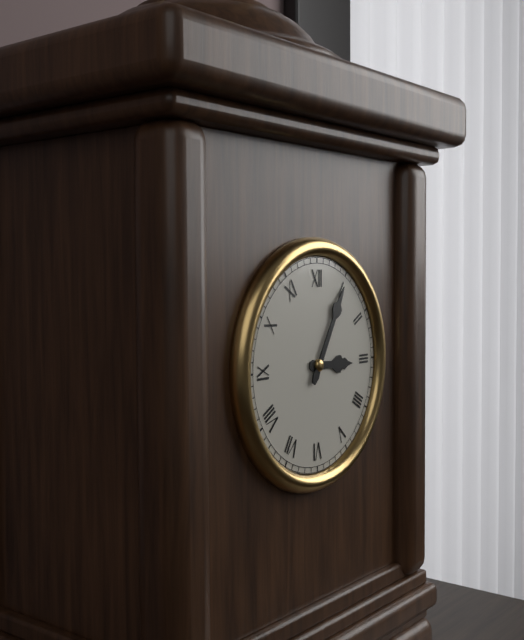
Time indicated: 3:05
